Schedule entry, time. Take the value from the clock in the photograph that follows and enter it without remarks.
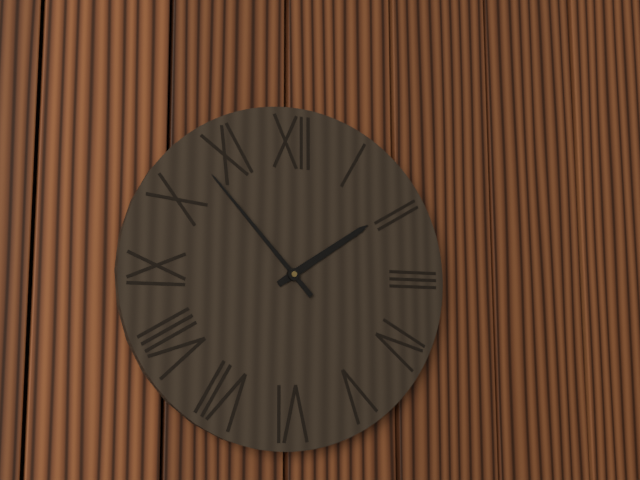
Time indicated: 1:53
